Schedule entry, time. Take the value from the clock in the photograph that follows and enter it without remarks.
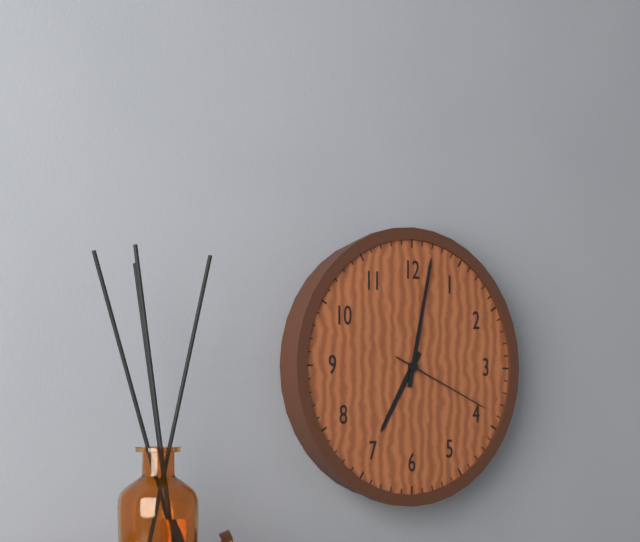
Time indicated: 7:02:19
